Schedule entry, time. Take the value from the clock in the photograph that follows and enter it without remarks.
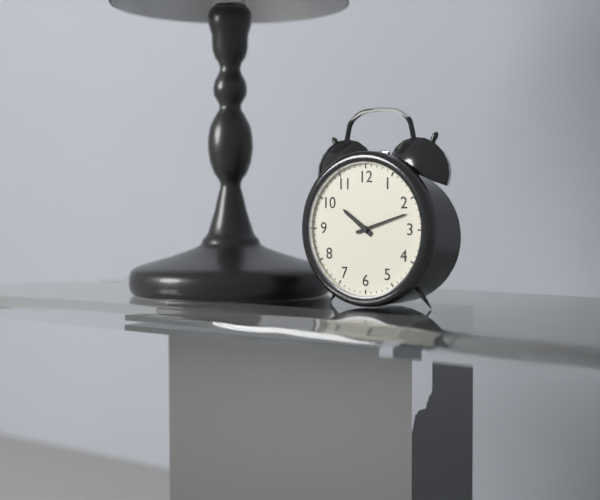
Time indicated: 10:12
